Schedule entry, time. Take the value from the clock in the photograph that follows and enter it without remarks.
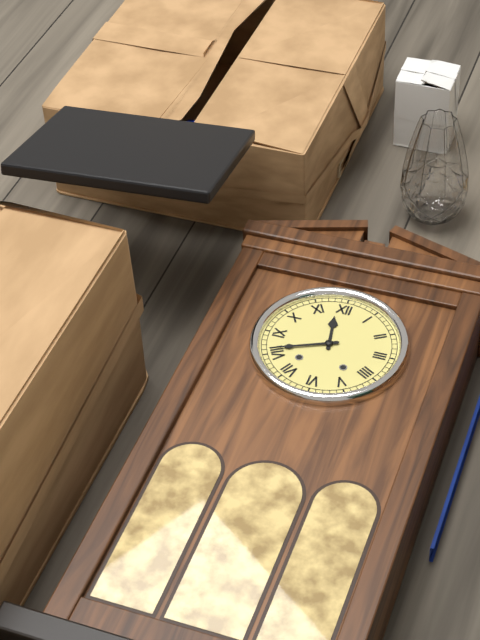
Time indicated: 11:41
